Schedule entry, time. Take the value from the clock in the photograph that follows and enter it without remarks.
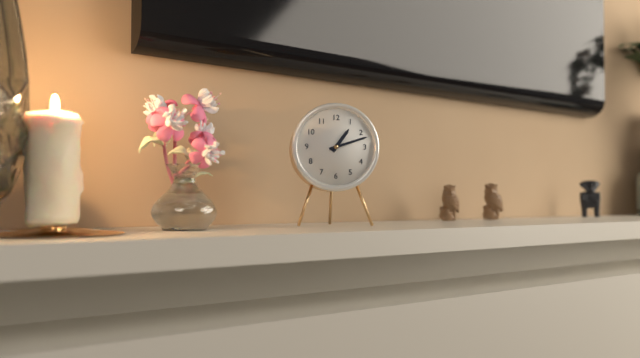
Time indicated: 1:12
